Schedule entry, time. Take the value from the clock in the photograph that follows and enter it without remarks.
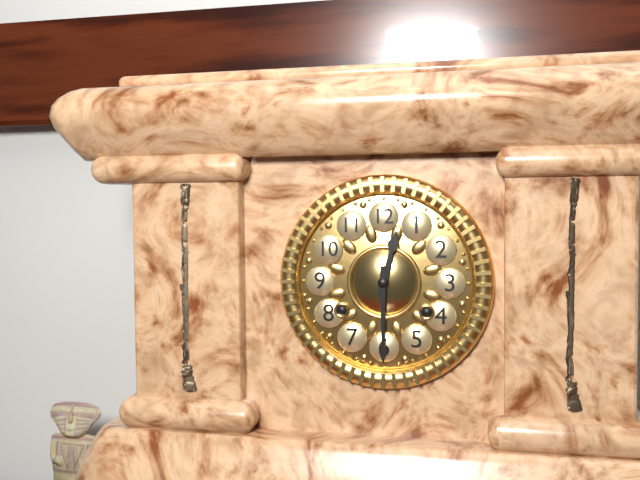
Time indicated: 12:30
